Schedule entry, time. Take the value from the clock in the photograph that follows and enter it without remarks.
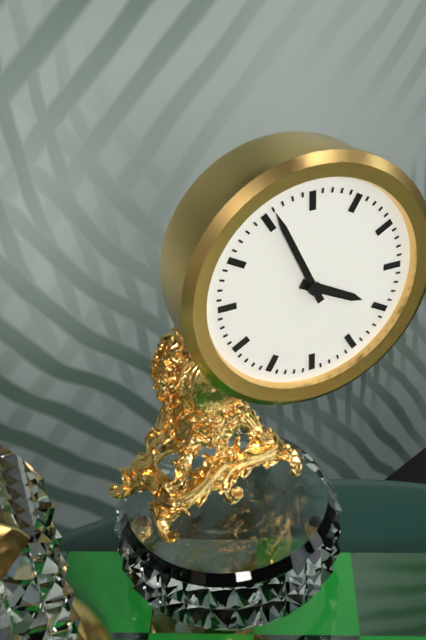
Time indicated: 3:56
